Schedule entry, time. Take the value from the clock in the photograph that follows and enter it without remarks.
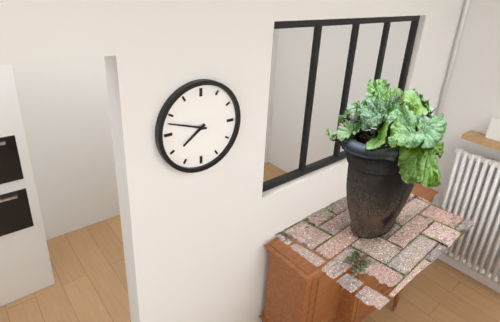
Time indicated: 7:48
